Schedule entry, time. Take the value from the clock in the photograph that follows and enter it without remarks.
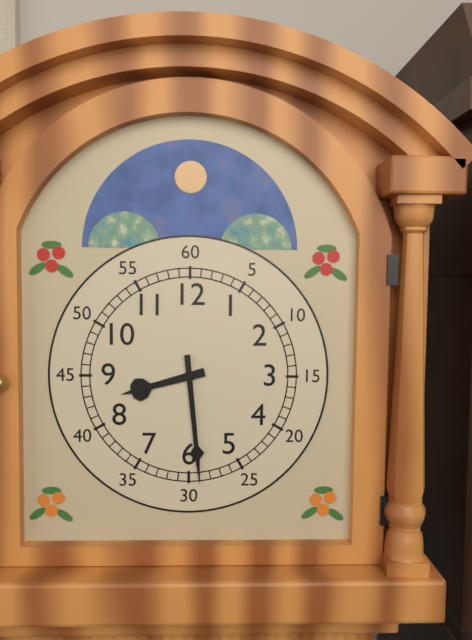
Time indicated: 8:29
